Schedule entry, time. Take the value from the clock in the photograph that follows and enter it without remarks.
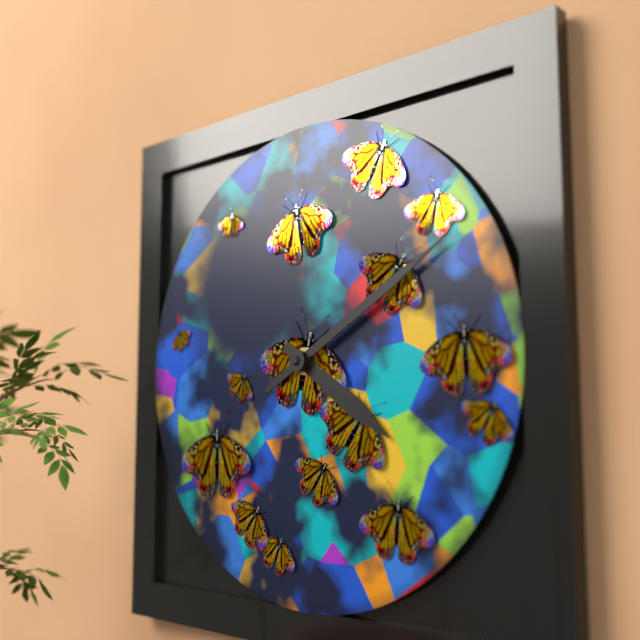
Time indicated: 4:10
